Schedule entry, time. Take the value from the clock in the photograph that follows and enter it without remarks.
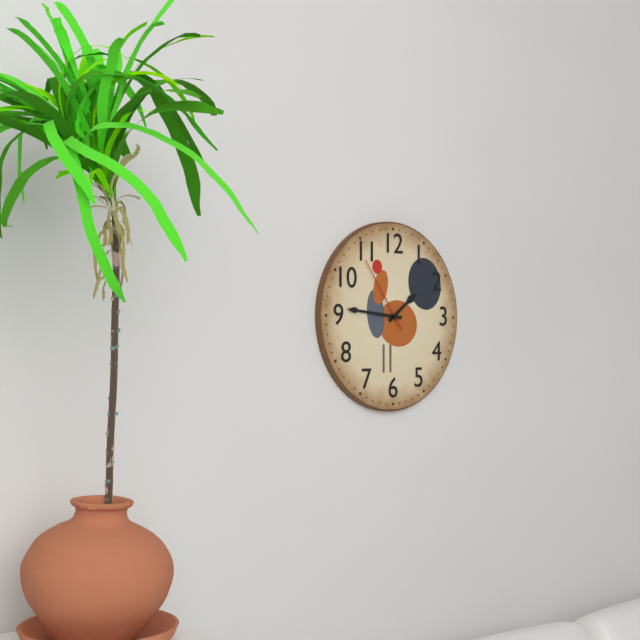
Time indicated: 1:46:54
